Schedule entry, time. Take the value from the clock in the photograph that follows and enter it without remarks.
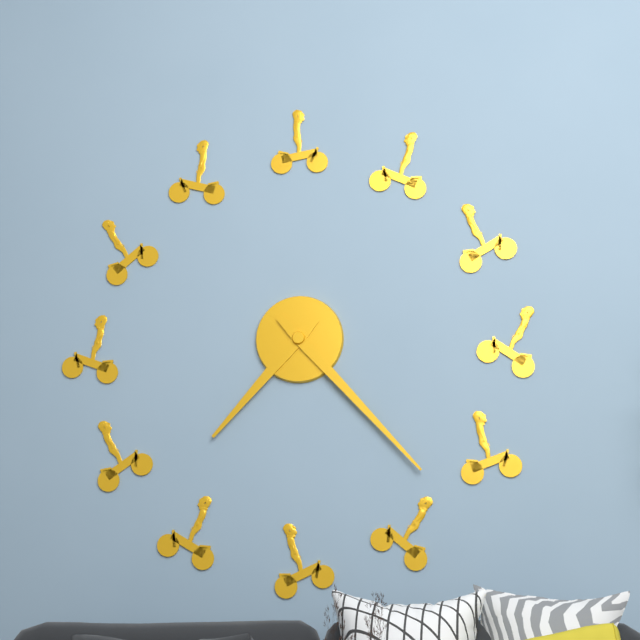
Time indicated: 7:23
